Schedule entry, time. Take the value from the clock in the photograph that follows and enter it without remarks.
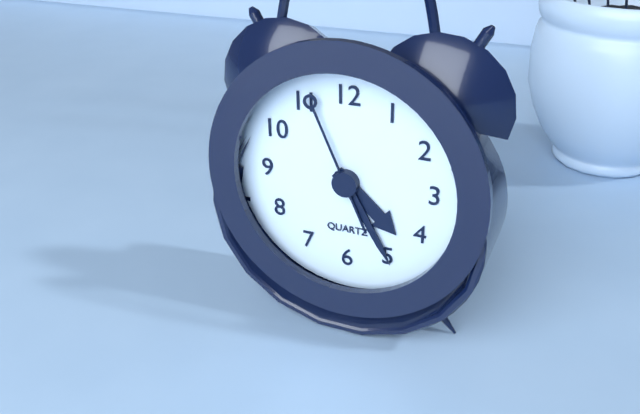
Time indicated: 4:25:56
